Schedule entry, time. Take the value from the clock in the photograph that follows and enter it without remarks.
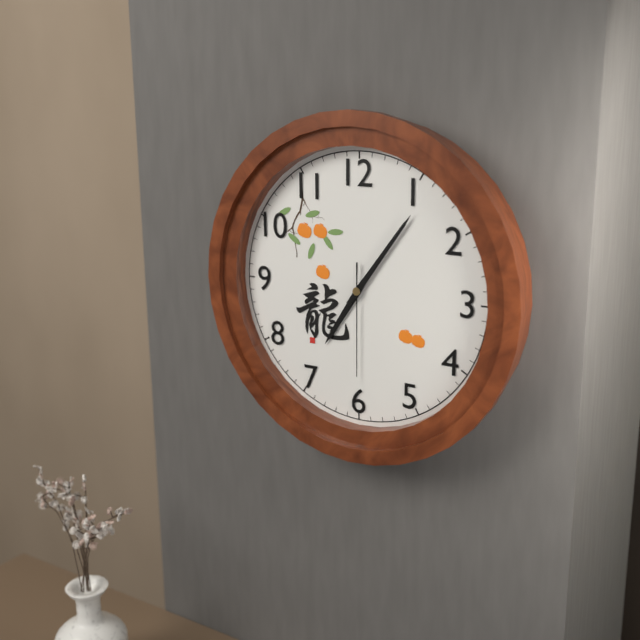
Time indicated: 7:06:30
